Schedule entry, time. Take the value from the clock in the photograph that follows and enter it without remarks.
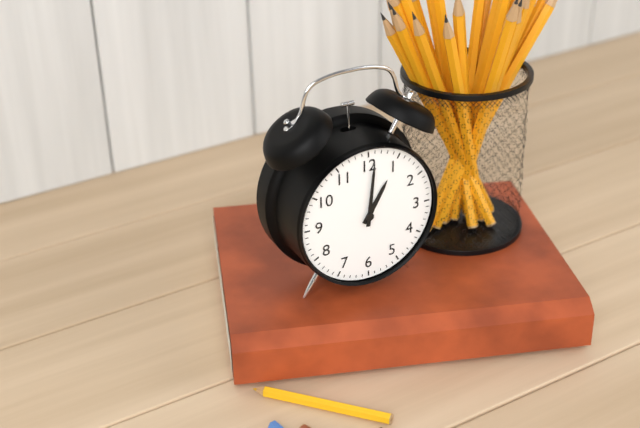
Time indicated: 1:01
